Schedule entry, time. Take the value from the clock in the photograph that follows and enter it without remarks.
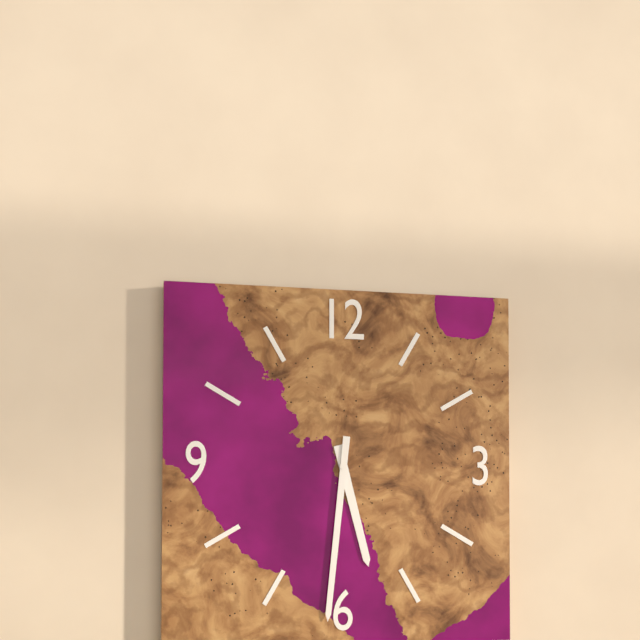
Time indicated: 5:31
